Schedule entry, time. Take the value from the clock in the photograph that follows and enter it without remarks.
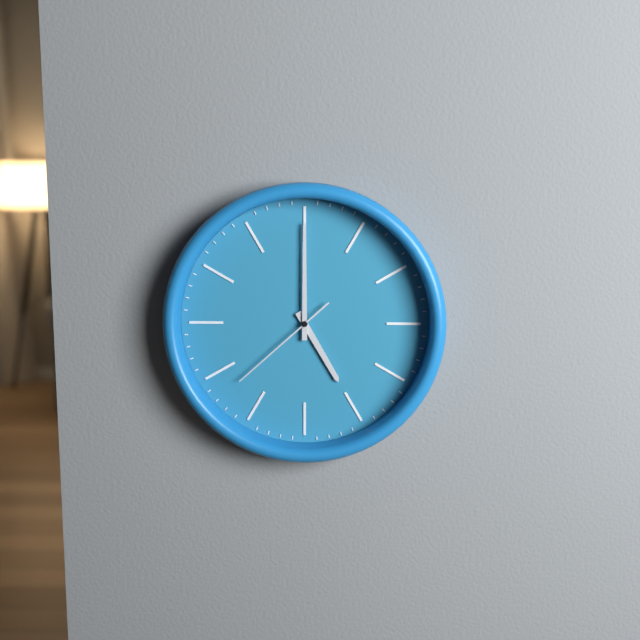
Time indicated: 5:00:38
